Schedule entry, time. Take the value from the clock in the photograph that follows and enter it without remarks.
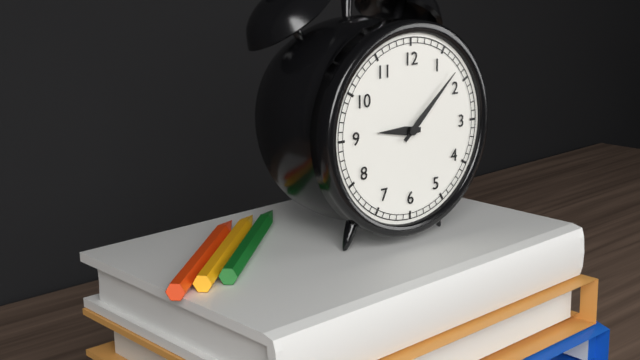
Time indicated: 9:08
